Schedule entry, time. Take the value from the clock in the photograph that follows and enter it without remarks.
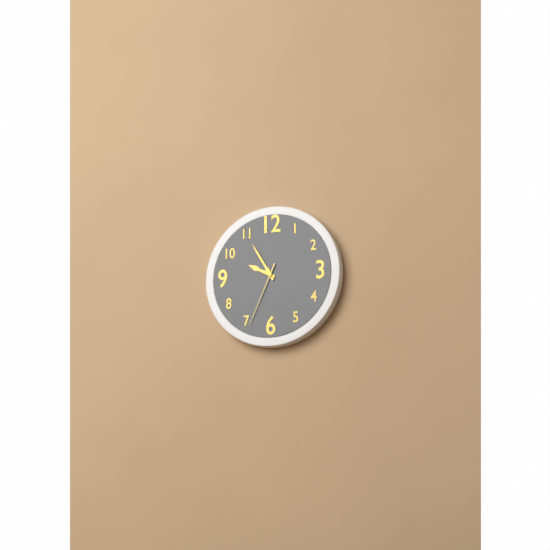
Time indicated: 9:55:34
